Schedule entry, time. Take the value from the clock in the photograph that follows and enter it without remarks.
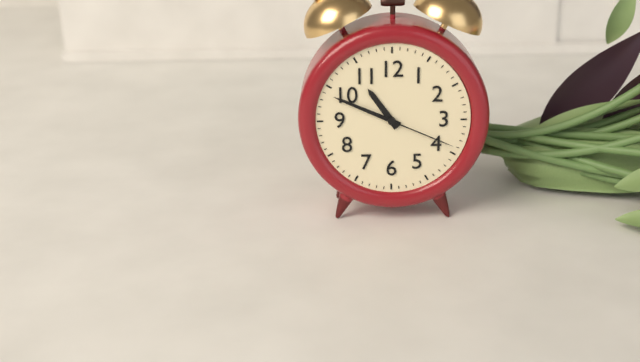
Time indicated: 10:49:19
